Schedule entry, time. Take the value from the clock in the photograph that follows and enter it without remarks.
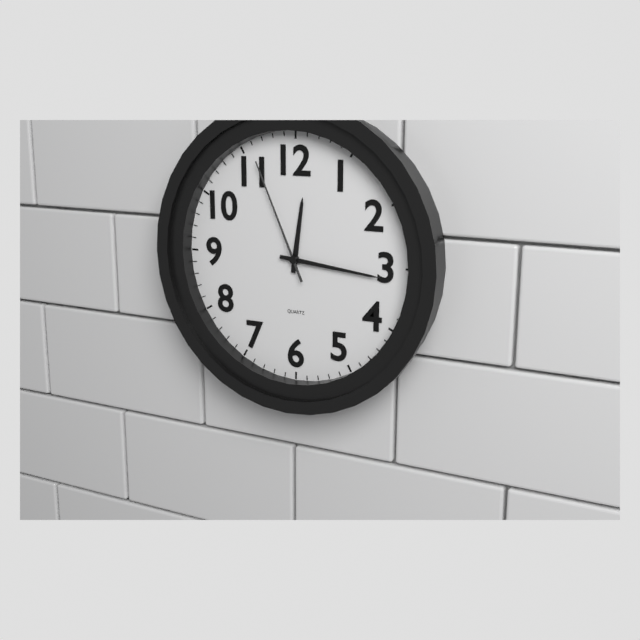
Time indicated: 12:16:56
